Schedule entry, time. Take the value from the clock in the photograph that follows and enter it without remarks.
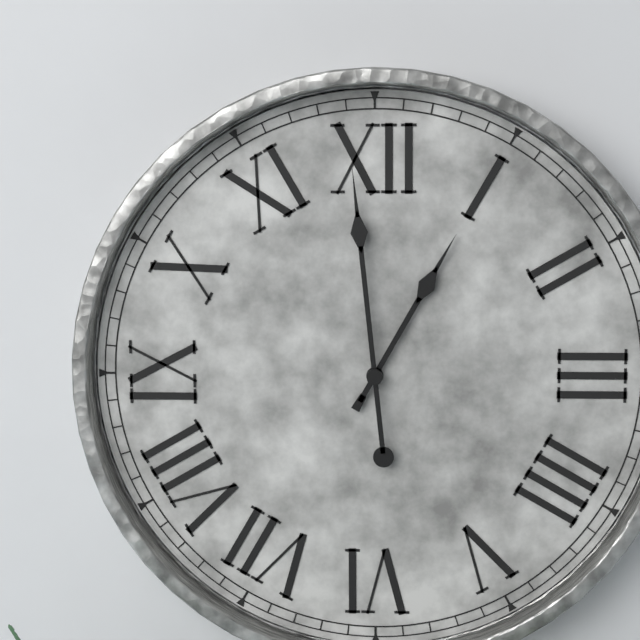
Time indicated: 12:59
